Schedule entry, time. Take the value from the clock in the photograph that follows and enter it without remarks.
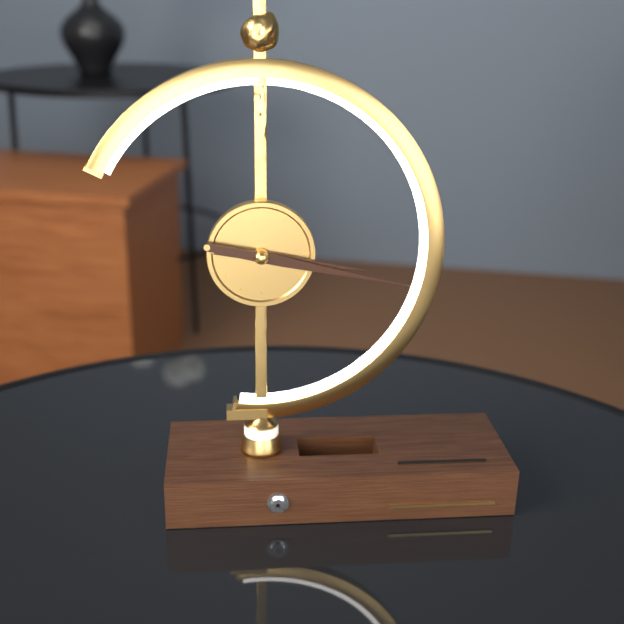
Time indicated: 3:17
